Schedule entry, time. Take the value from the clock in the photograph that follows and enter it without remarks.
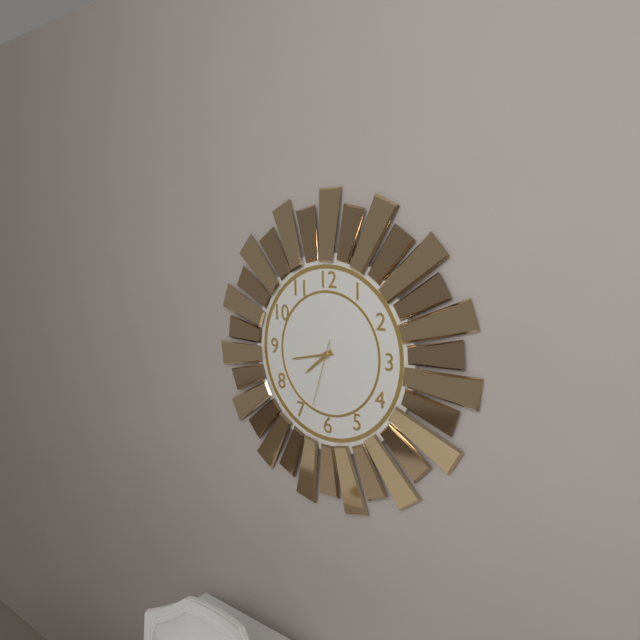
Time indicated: 7:43:33
